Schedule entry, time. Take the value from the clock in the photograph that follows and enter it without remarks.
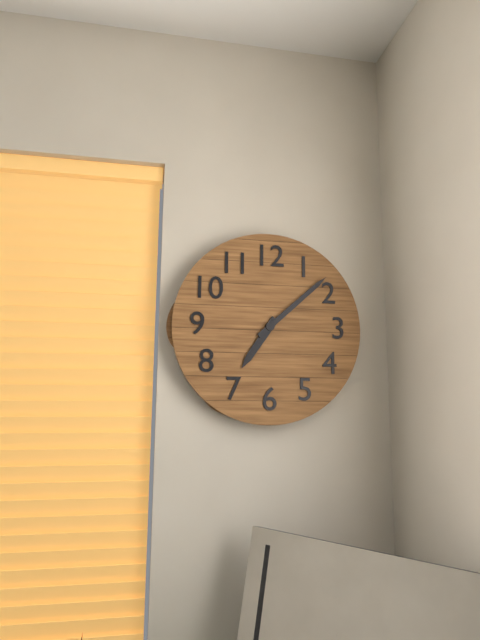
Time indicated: 7:08
